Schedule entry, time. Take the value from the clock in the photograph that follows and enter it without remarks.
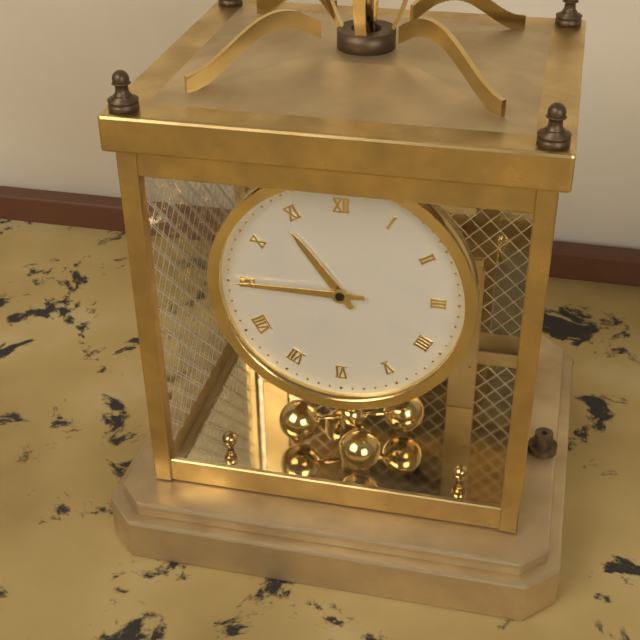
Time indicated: 10:45
